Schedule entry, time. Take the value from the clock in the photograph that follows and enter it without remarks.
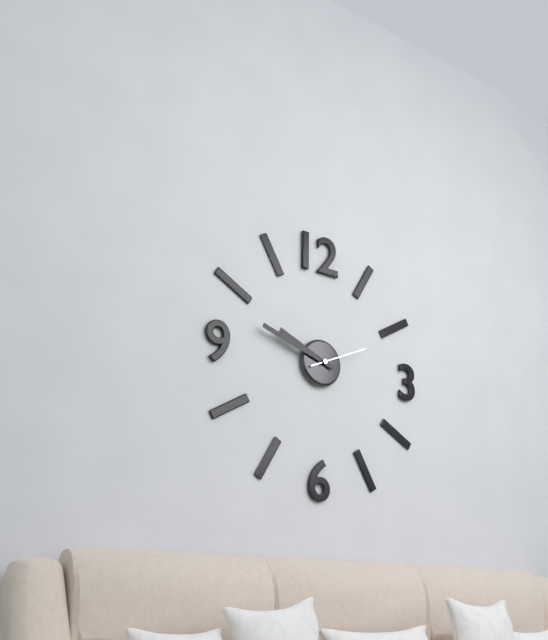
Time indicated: 9:48:11
